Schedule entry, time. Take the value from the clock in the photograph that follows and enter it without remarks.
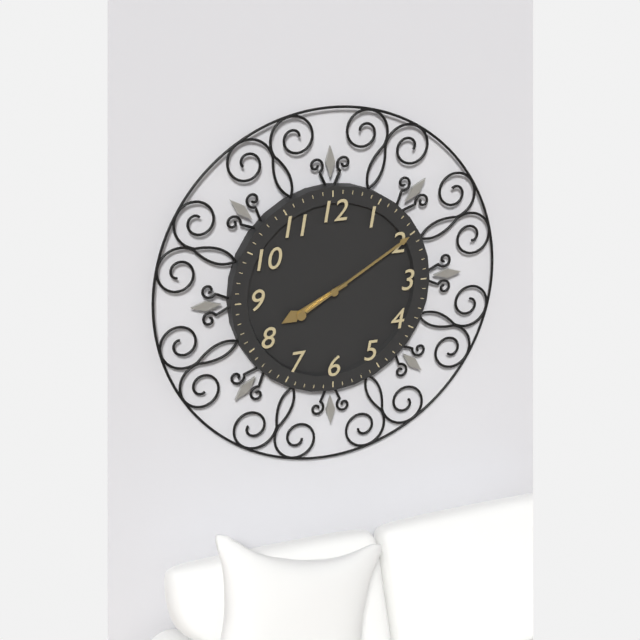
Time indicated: 8:10
